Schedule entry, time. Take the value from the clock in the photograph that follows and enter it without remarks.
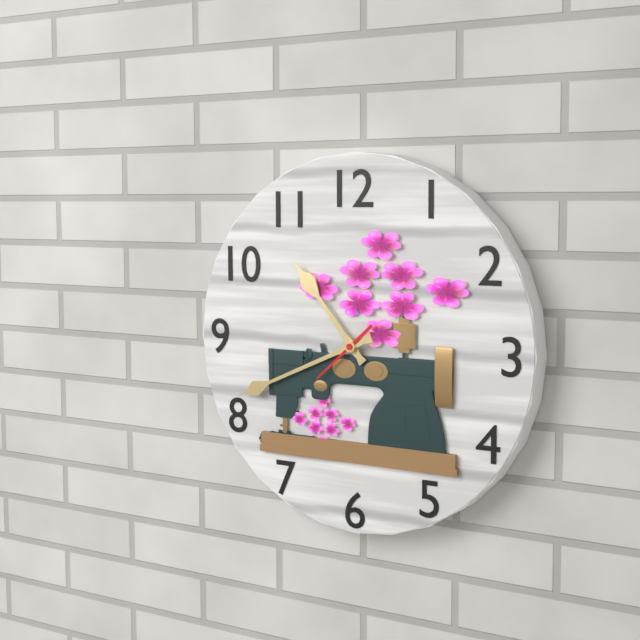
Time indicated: 10:41:38
